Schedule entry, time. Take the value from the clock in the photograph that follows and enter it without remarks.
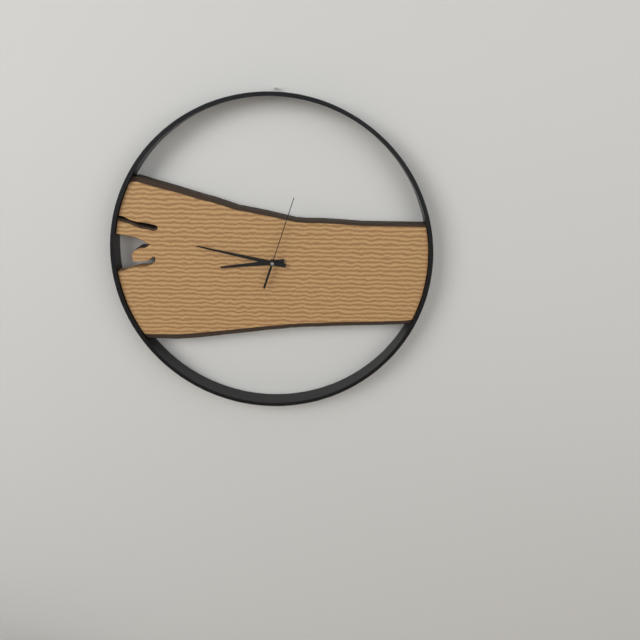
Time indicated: 8:47:03
